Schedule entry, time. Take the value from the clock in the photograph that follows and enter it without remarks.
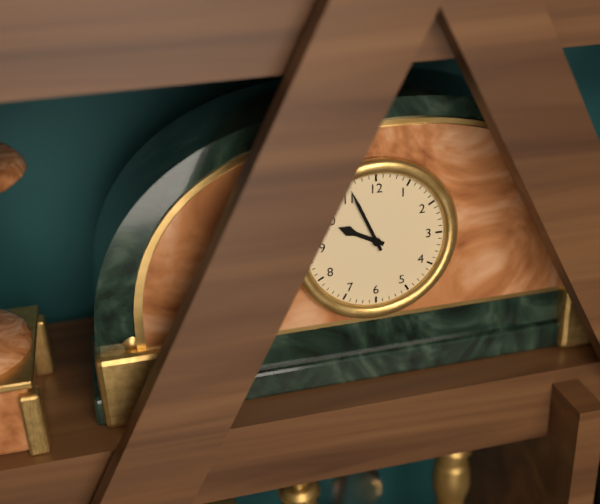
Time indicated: 9:56
